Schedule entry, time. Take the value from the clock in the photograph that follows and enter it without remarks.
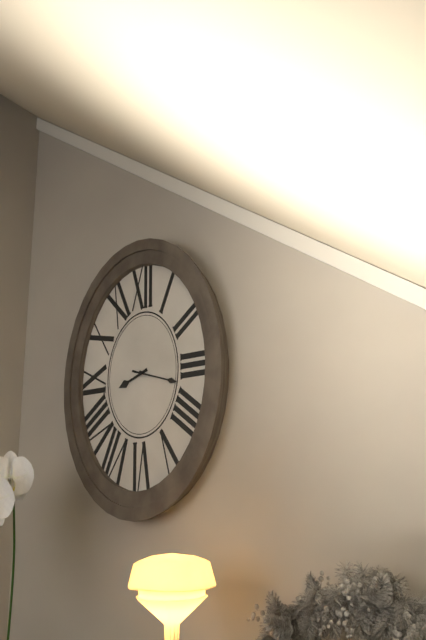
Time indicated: 8:18
